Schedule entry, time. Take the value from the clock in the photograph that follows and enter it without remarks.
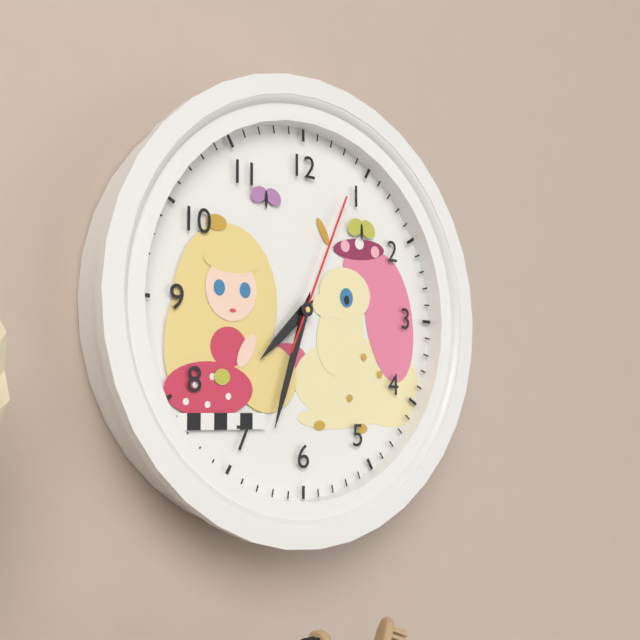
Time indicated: 7:33:04
